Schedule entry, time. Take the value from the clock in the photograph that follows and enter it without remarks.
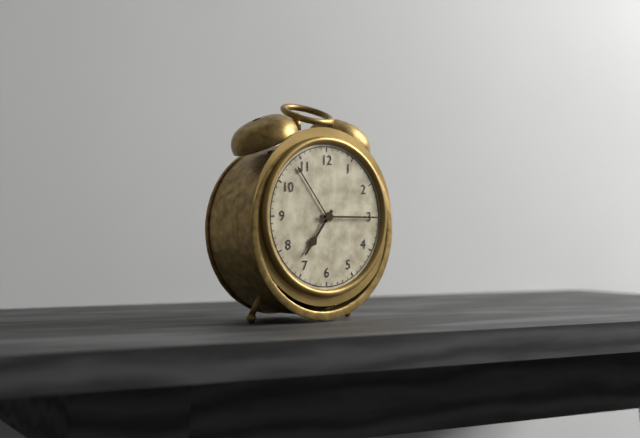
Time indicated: 7:15
